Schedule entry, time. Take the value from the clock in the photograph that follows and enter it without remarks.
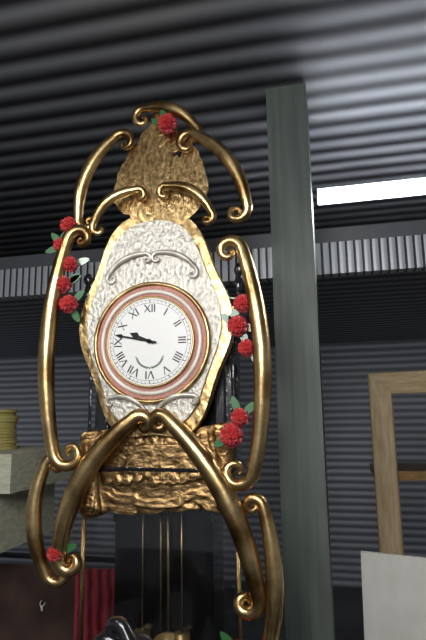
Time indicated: 9:47
